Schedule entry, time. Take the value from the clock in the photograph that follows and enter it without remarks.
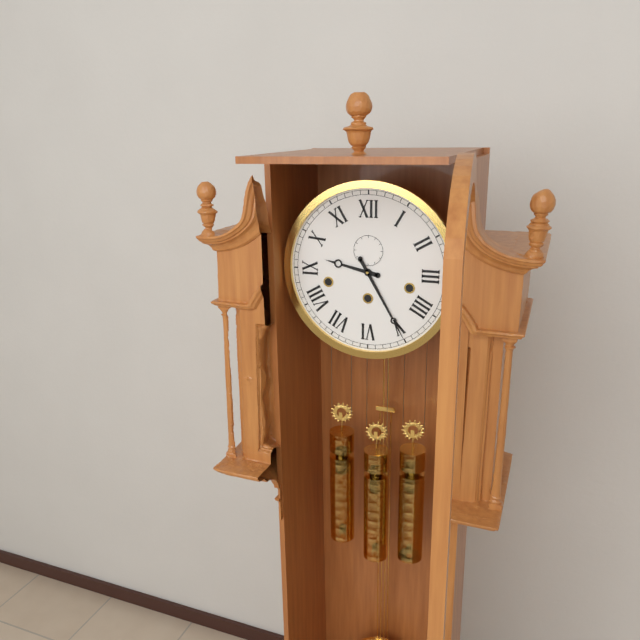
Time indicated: 9:25
